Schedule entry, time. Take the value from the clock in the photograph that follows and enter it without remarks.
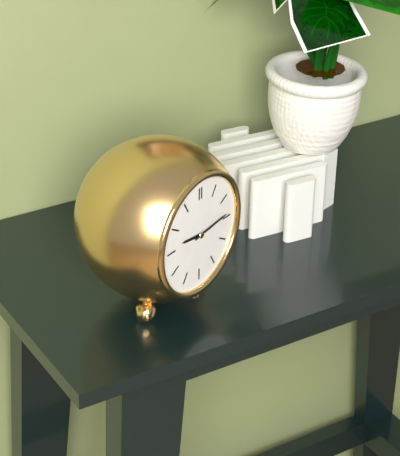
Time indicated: 9:14
